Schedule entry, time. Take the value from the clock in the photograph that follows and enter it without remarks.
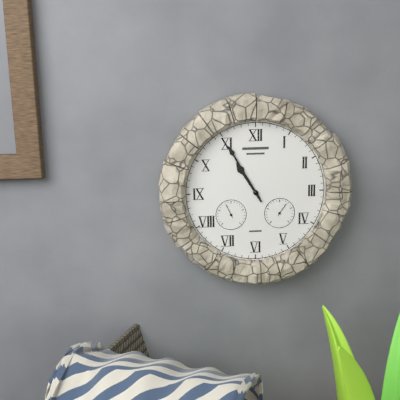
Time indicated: 10:55
